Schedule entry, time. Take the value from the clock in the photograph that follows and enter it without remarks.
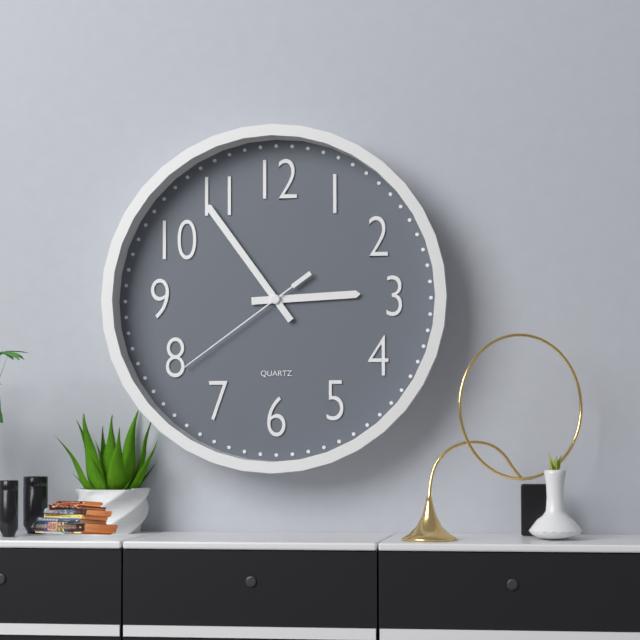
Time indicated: 2:54:39
